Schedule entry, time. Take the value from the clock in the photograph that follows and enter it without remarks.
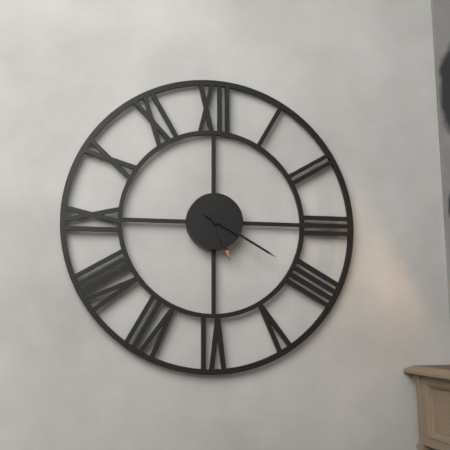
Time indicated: 5:20
